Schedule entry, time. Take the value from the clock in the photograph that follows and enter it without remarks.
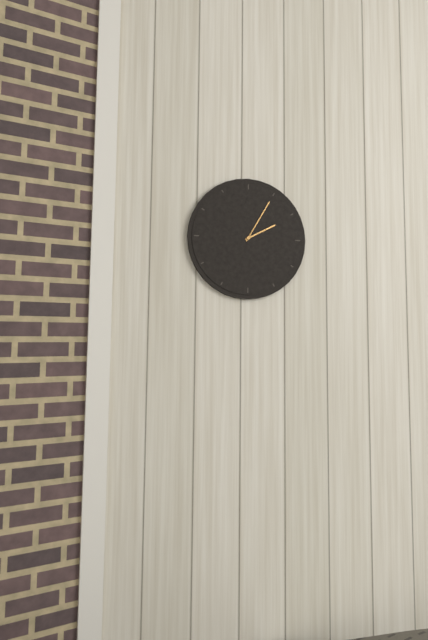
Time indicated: 2:05
